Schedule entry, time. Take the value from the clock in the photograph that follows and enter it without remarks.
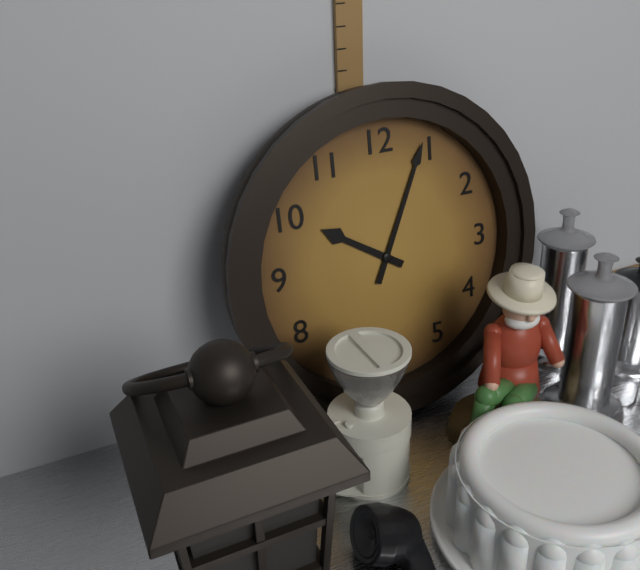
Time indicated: 10:04
